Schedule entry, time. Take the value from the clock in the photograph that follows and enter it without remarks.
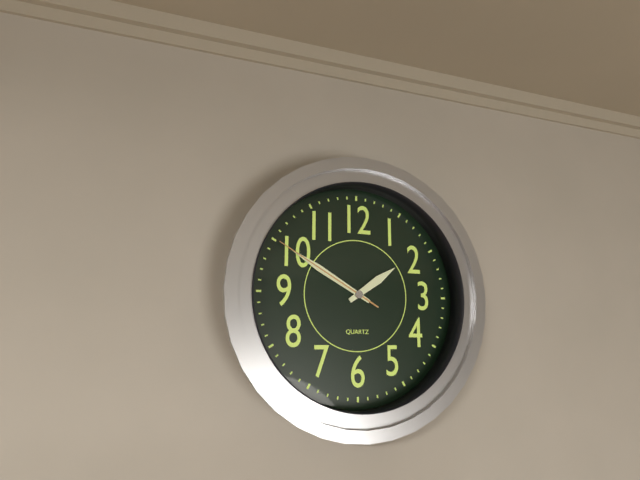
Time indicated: 1:50:50
